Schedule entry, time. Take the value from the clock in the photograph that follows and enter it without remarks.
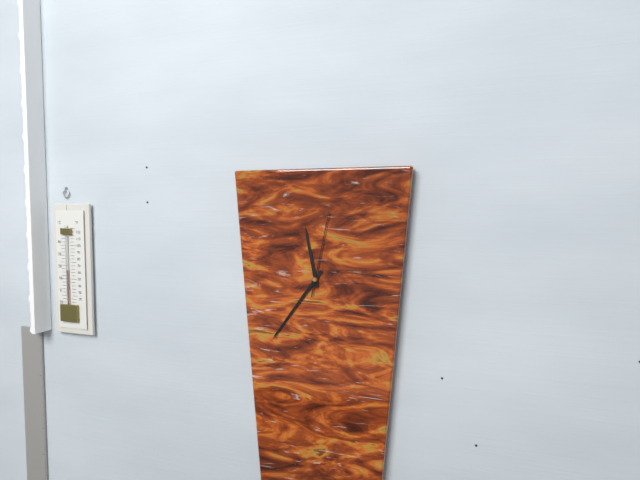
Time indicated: 11:36:02
